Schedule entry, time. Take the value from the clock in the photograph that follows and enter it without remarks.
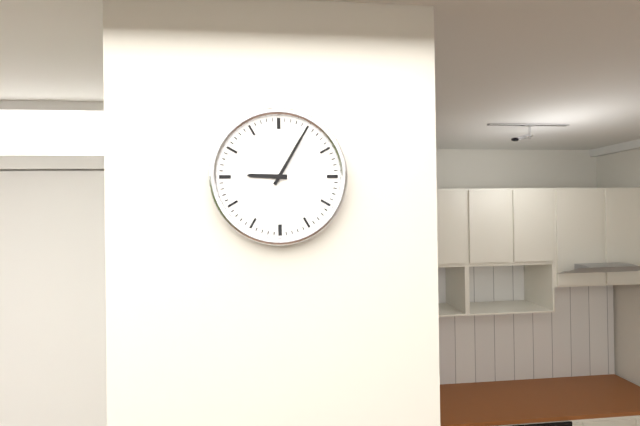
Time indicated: 9:05
